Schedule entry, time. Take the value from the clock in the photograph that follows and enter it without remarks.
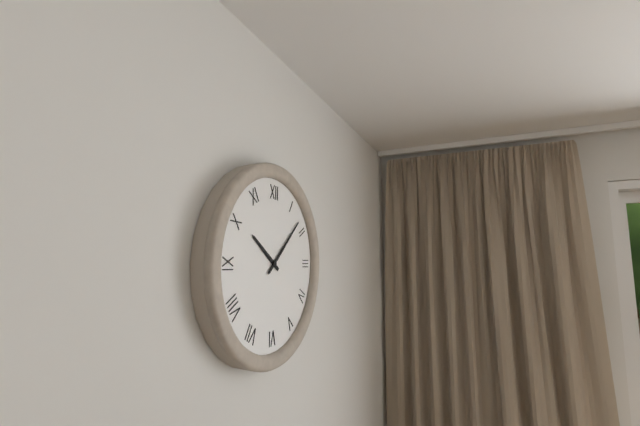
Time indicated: 10:08
